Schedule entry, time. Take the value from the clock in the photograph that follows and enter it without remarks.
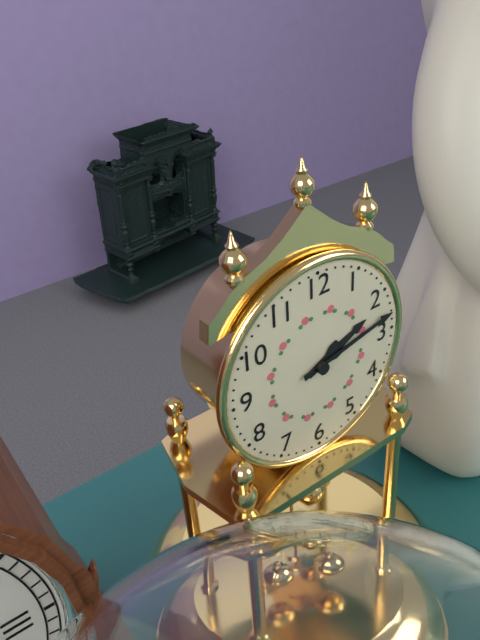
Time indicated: 2:13
